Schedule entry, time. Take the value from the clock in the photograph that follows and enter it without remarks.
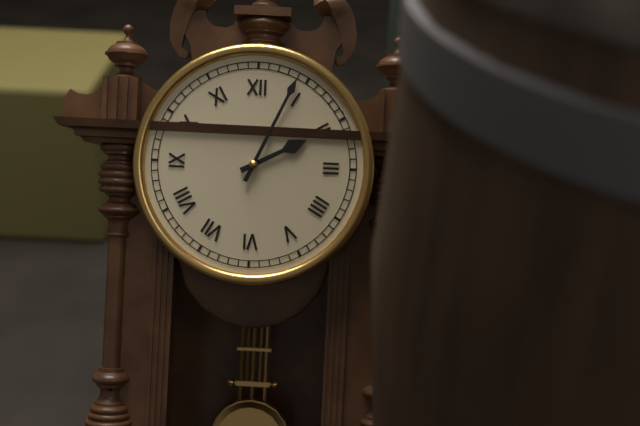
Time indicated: 2:04
